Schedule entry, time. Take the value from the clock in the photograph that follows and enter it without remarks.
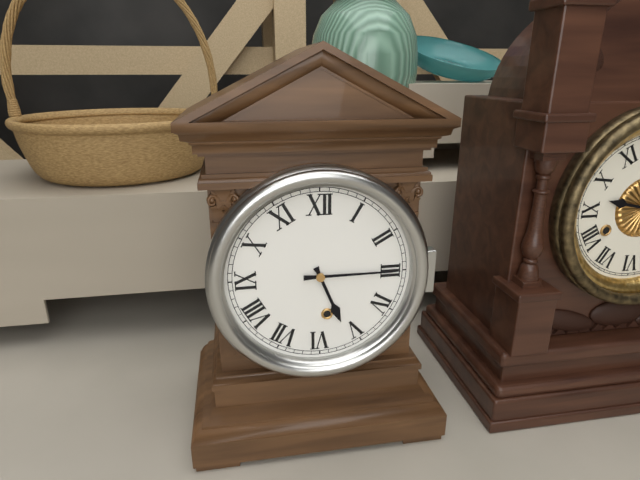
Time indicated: 5:15
